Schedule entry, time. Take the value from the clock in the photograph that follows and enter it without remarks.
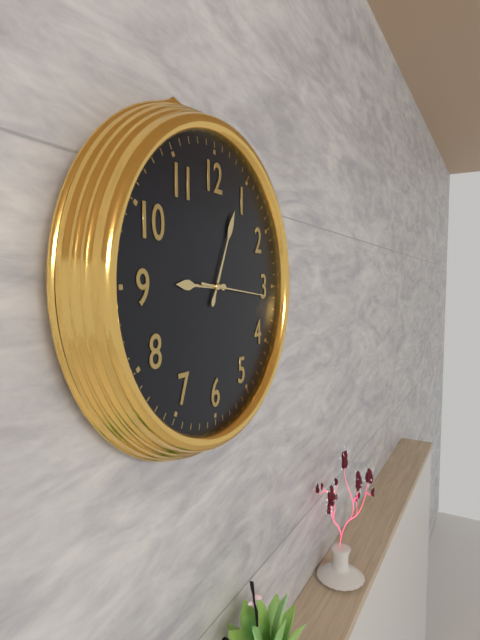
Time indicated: 9:04:16
